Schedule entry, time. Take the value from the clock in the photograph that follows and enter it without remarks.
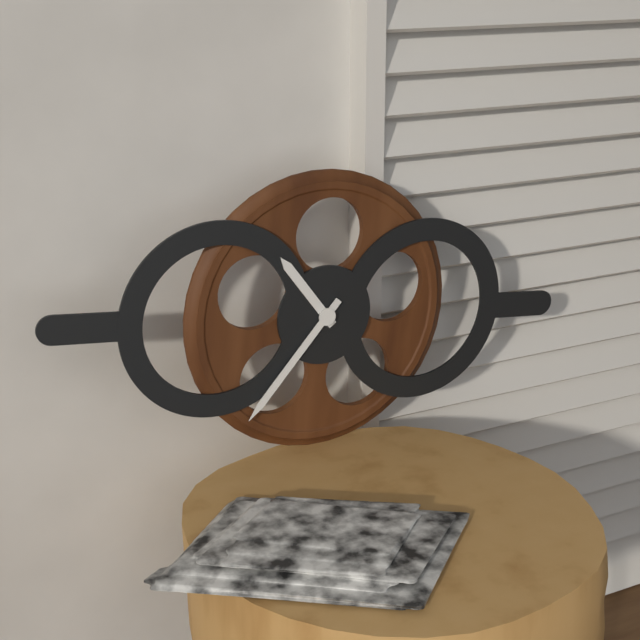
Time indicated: 10:36
